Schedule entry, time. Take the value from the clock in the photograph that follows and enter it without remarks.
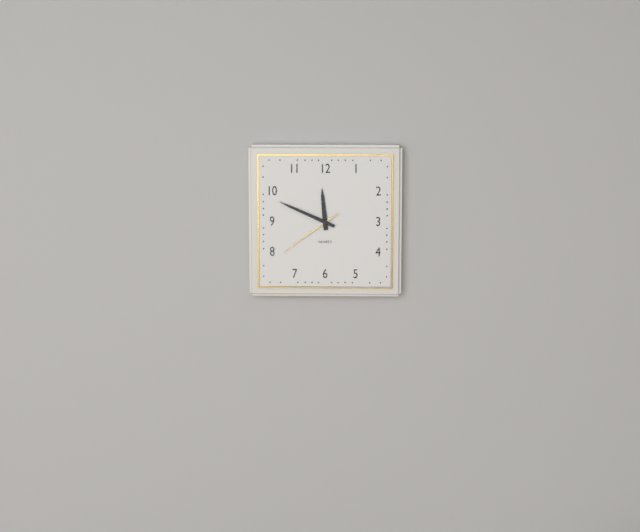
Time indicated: 11:49:39
